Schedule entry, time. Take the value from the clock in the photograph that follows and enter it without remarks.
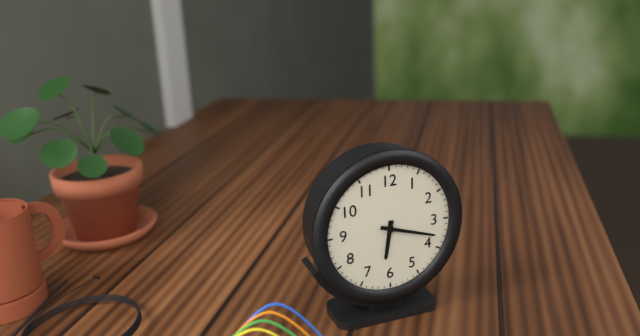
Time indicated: 6:18
